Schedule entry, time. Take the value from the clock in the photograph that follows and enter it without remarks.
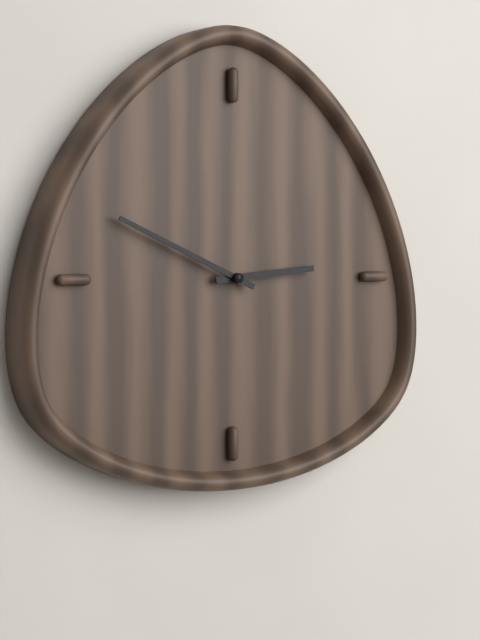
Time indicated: 2:49
